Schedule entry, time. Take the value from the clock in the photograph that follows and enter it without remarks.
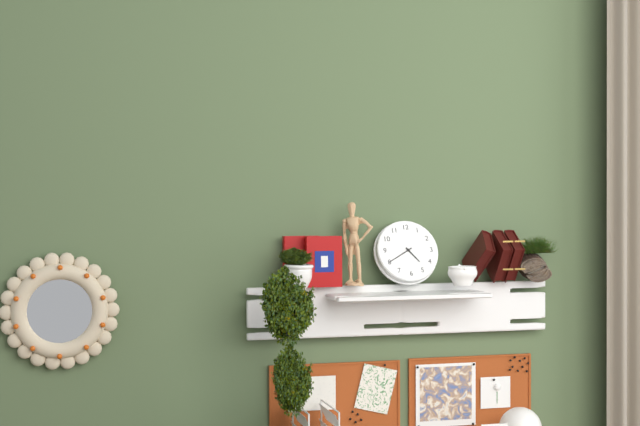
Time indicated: 4:40
